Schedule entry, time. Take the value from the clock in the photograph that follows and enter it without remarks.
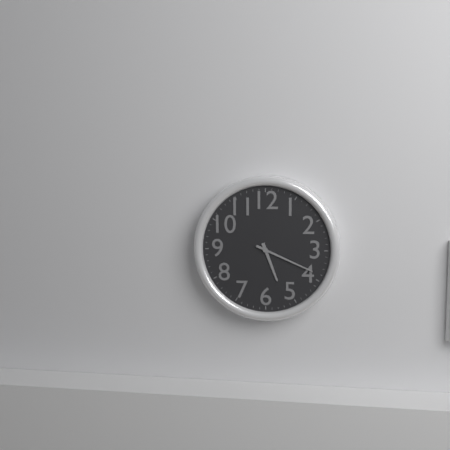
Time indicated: 5:19
